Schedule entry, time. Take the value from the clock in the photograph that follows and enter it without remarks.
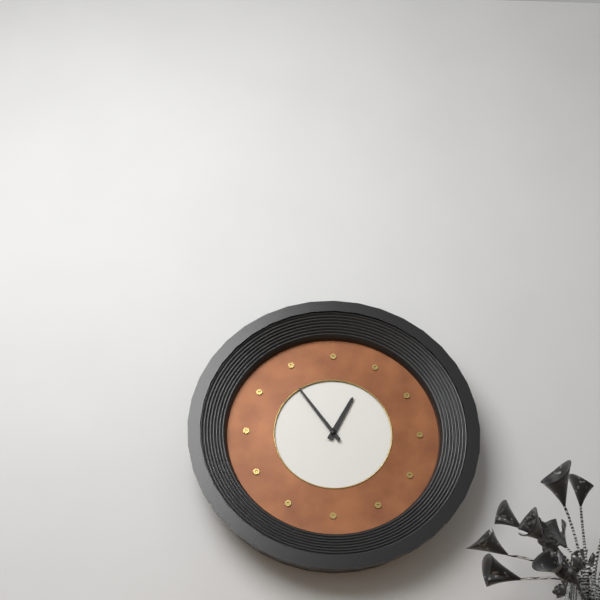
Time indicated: 12:54
